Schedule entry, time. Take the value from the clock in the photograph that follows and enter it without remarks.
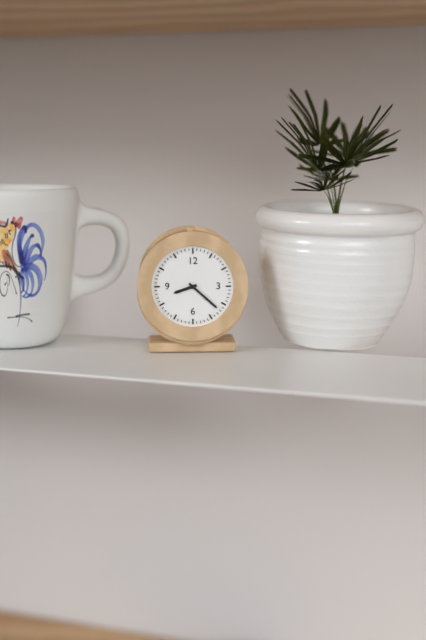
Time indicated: 8:22
